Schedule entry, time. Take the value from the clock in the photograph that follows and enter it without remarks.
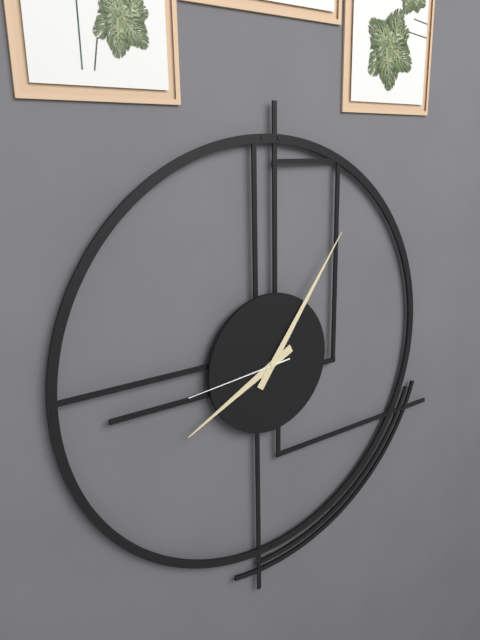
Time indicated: 8:06:44
